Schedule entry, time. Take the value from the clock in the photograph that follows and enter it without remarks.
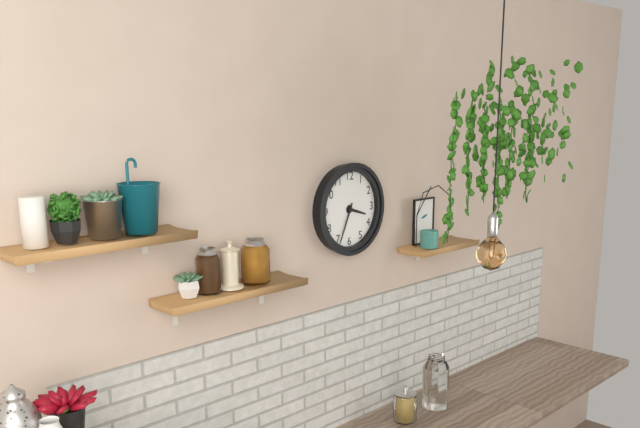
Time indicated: 3:34
